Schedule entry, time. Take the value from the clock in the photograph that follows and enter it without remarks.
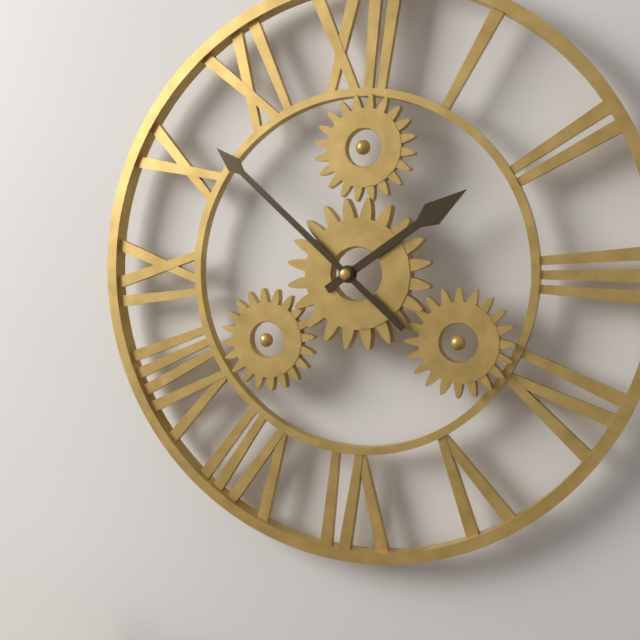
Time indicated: 1:52
